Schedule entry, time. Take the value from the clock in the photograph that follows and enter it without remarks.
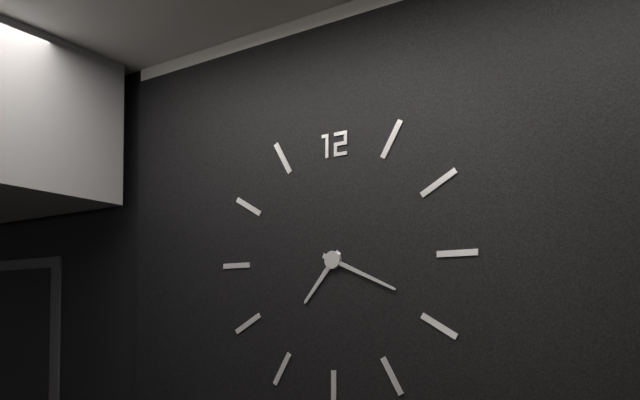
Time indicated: 7:19
